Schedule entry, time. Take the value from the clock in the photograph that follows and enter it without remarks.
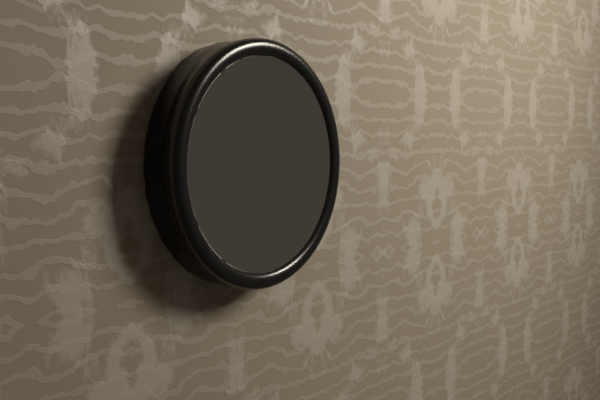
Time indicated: 7:07:07
